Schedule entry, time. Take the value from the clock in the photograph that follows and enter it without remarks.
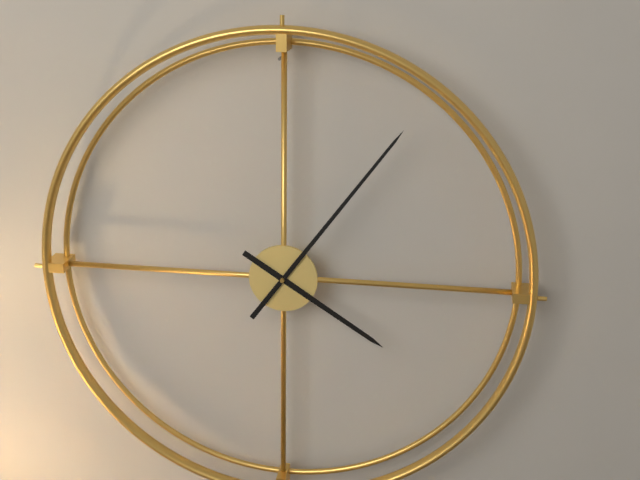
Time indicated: 4:06
